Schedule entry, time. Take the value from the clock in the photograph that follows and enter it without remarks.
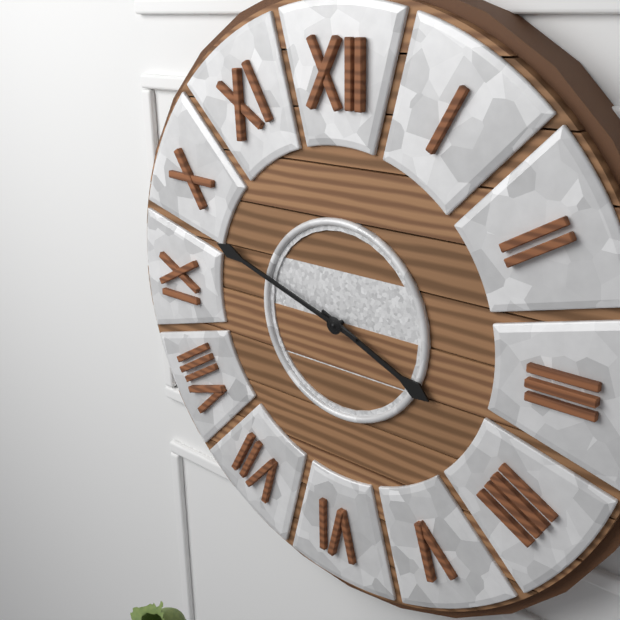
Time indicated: 3:48
